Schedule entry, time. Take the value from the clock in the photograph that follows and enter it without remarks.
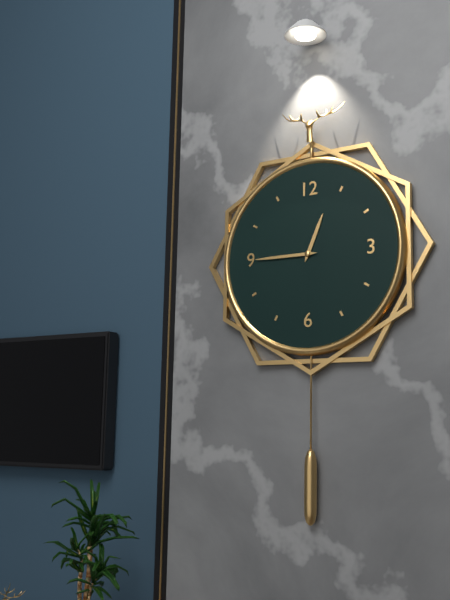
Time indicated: 12:45
